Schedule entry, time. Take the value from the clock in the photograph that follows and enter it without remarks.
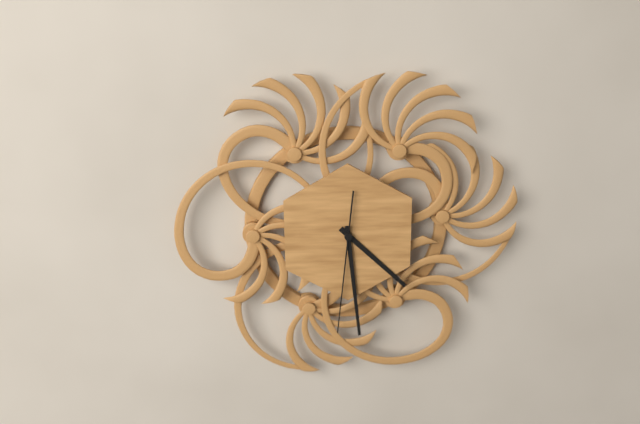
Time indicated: 4:29:31
